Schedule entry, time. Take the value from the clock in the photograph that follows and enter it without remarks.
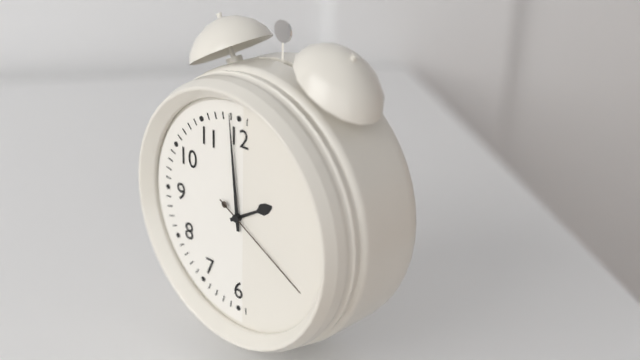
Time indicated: 1:59:20
